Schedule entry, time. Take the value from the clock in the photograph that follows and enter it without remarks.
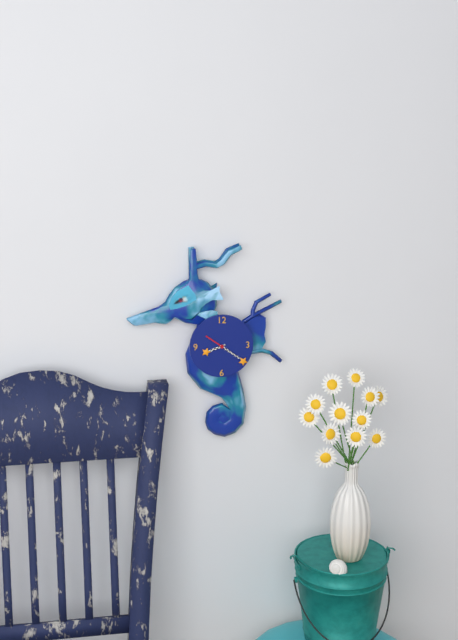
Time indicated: 8:21
